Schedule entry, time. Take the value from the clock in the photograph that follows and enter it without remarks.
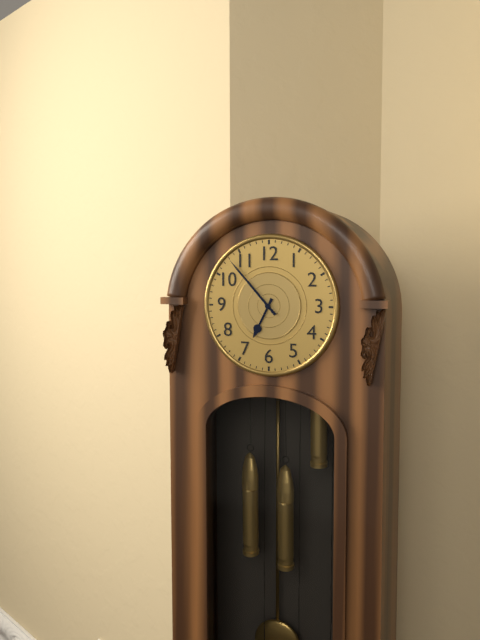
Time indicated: 6:53
